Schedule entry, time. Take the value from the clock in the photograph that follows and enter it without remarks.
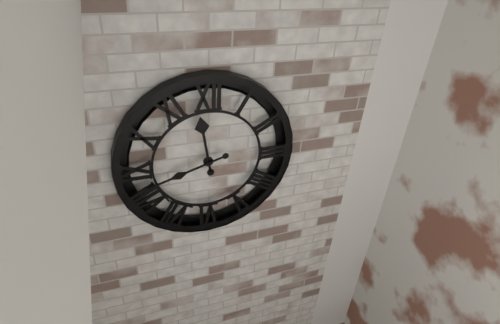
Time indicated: 11:42
